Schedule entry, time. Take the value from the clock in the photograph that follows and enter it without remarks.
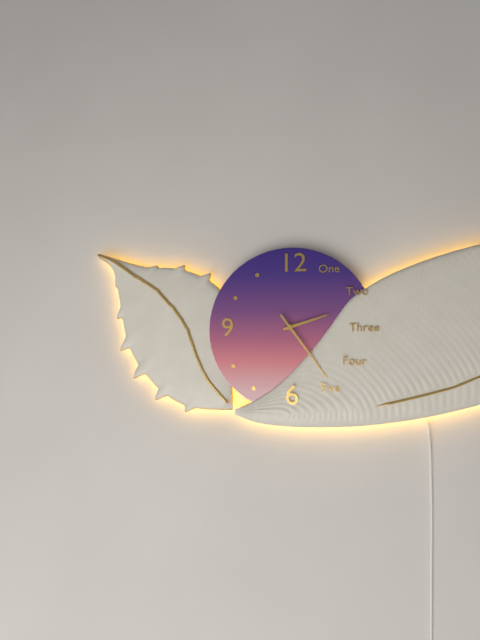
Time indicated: 2:24
